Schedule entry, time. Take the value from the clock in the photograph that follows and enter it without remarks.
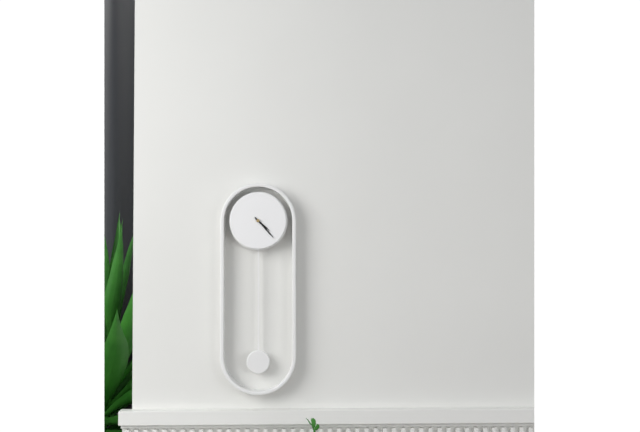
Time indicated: 4:23
